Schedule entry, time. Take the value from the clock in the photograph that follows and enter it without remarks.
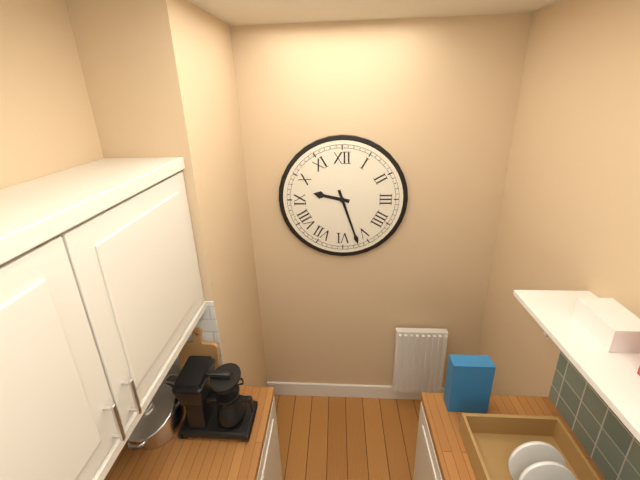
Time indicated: 9:27
